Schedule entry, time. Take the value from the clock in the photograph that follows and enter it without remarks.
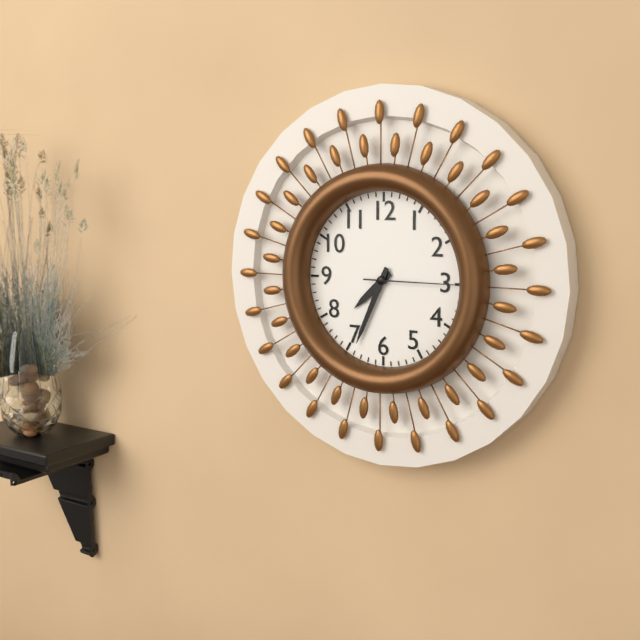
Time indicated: 7:34:15
